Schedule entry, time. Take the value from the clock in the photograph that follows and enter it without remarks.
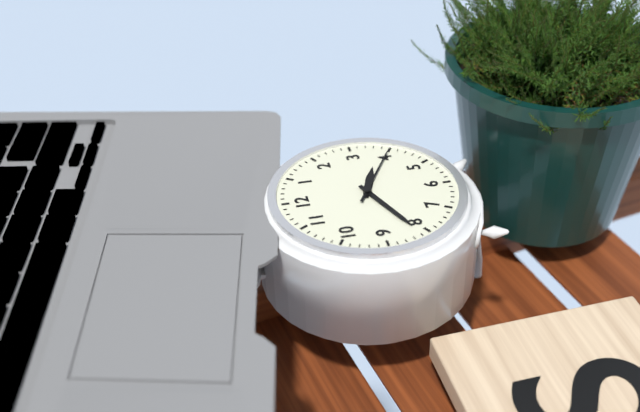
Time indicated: 3:41:20
